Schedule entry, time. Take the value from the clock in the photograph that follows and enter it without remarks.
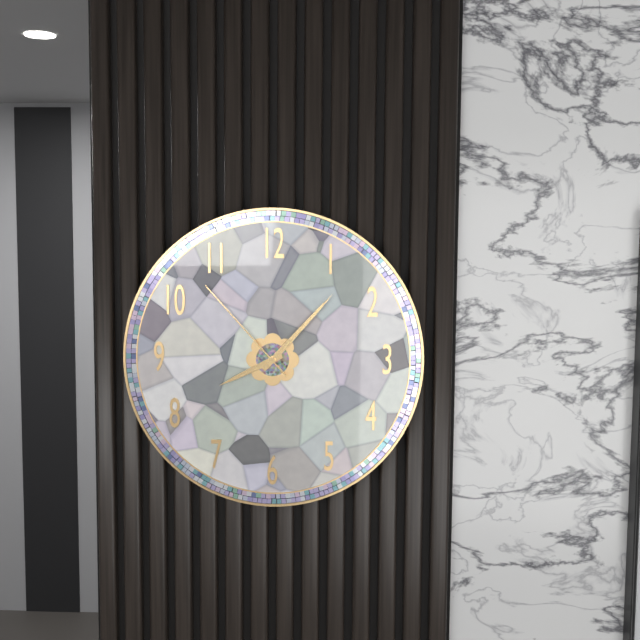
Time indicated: 8:07:53
